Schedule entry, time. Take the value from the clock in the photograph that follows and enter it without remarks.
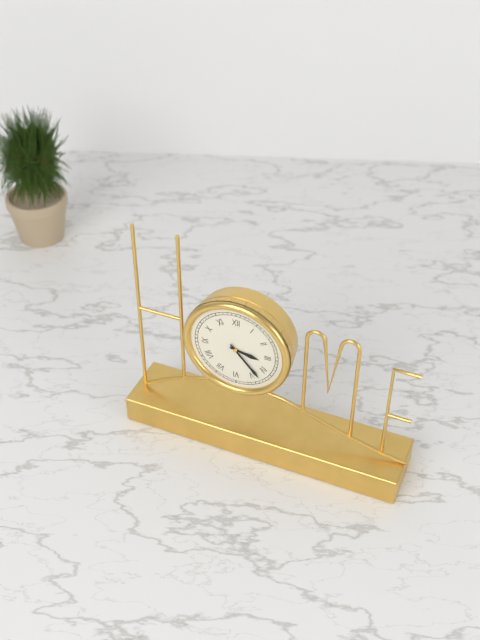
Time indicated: 3:23
